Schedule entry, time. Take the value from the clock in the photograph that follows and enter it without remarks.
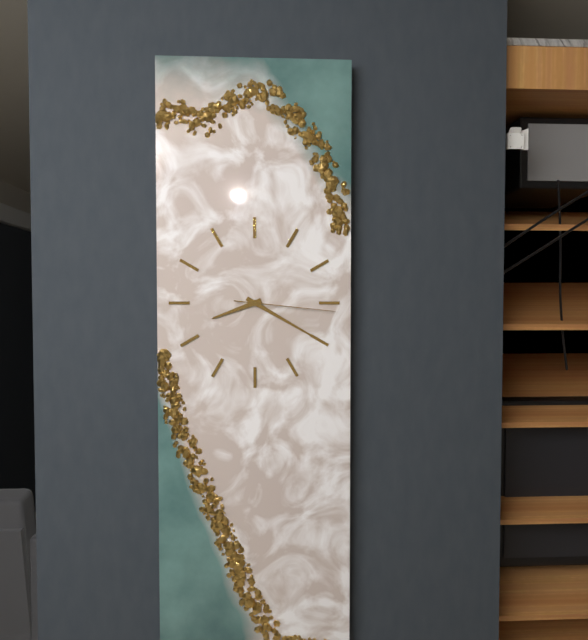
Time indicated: 8:20:16
